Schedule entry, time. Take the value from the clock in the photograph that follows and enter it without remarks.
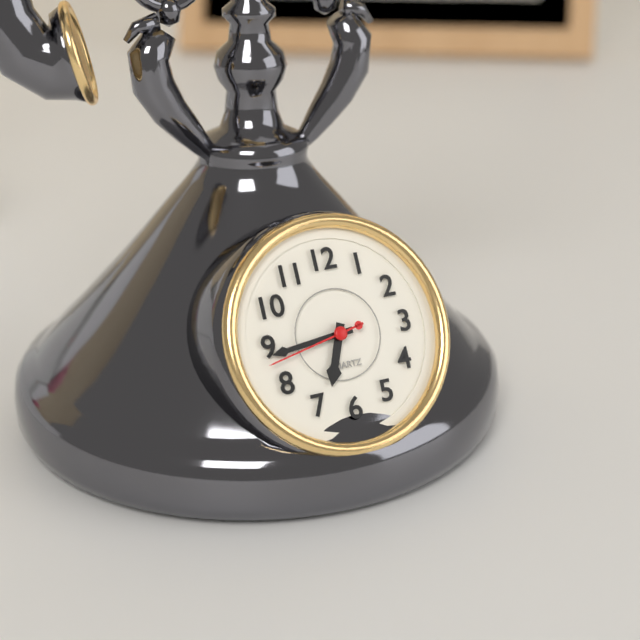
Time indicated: 6:44:43
